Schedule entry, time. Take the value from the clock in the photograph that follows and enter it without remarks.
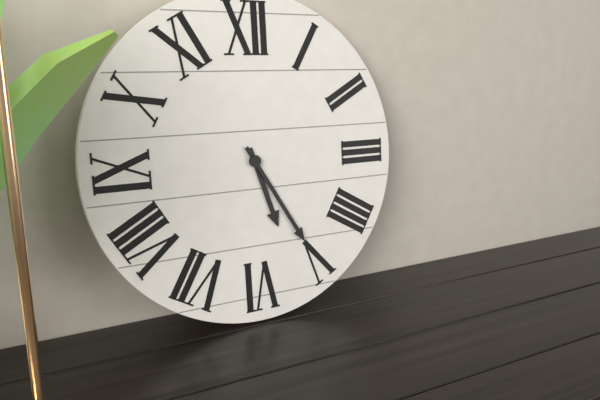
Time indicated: 5:25
